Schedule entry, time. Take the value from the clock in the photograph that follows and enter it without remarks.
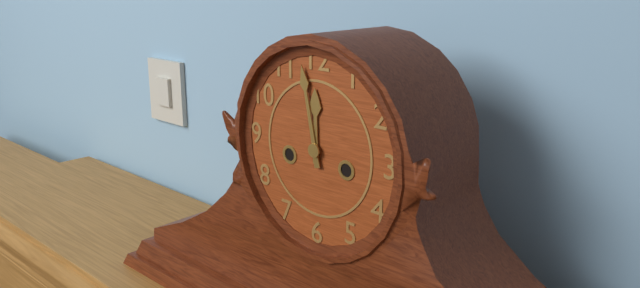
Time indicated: 11:58
